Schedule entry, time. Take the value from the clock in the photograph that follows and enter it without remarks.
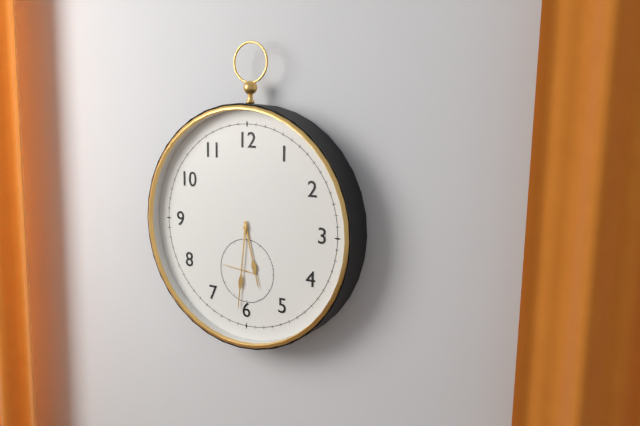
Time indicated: 5:31
